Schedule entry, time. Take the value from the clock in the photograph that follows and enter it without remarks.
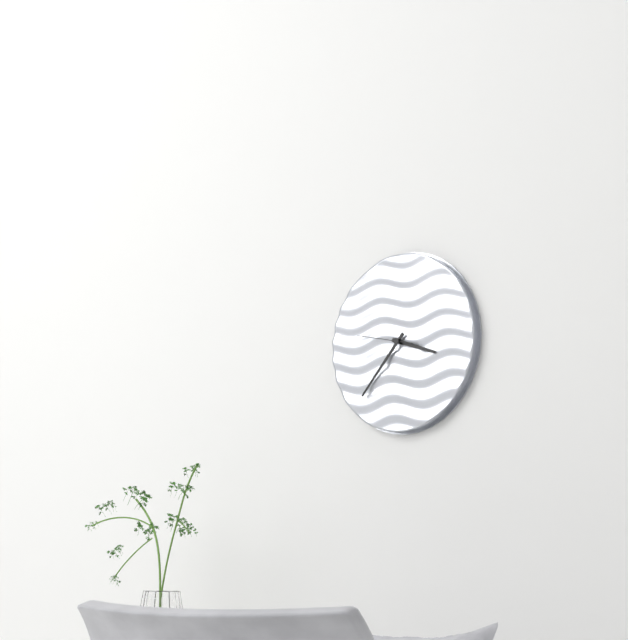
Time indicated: 3:37:47
